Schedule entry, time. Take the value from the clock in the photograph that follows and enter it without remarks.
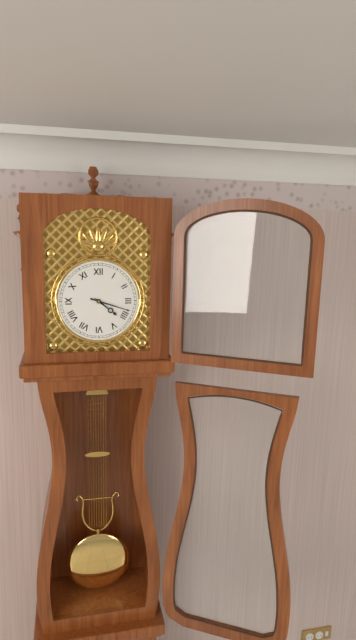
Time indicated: 4:18
